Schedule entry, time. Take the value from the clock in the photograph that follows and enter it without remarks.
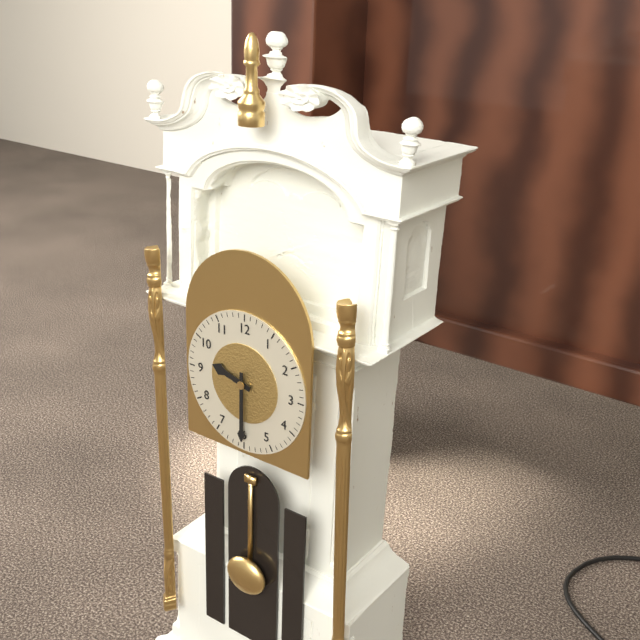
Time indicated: 9:30
